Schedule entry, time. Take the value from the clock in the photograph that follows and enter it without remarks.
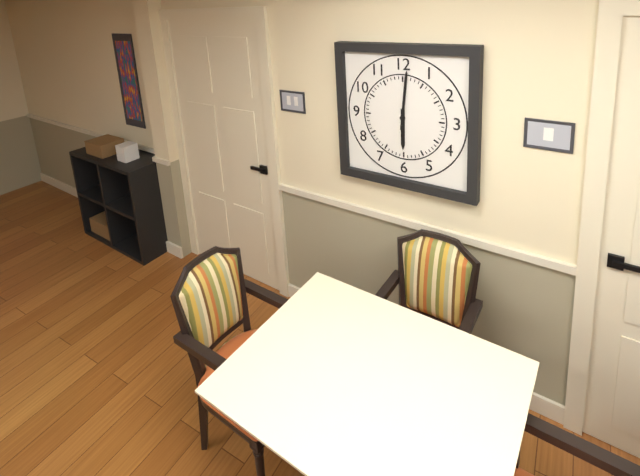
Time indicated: 6:01
